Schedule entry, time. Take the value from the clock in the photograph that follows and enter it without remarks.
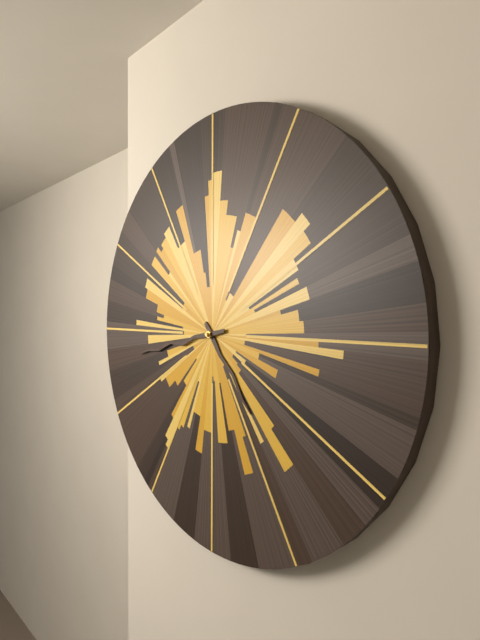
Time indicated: 4:43
